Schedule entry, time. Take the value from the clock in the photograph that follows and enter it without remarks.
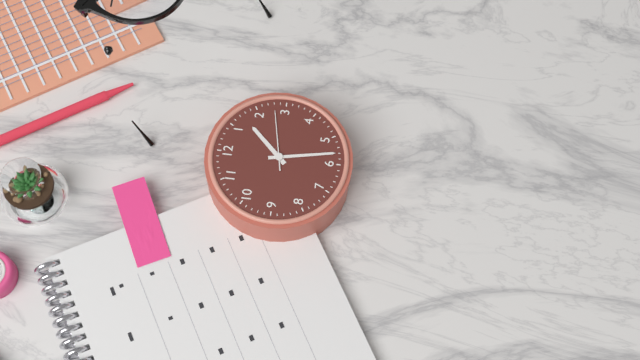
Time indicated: 1:28:13
